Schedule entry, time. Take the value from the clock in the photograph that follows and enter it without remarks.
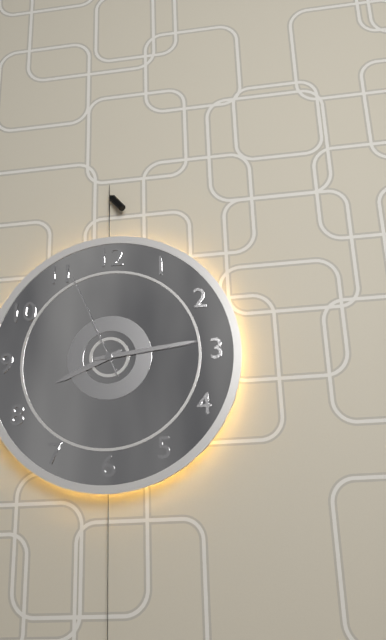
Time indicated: 8:14:56
